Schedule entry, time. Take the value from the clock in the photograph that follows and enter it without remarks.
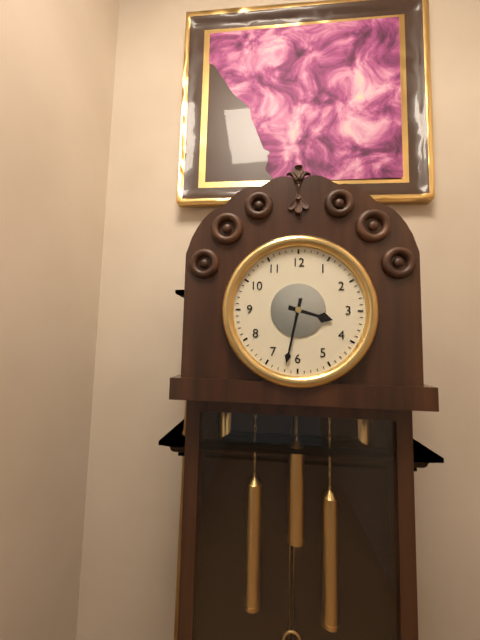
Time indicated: 3:32
